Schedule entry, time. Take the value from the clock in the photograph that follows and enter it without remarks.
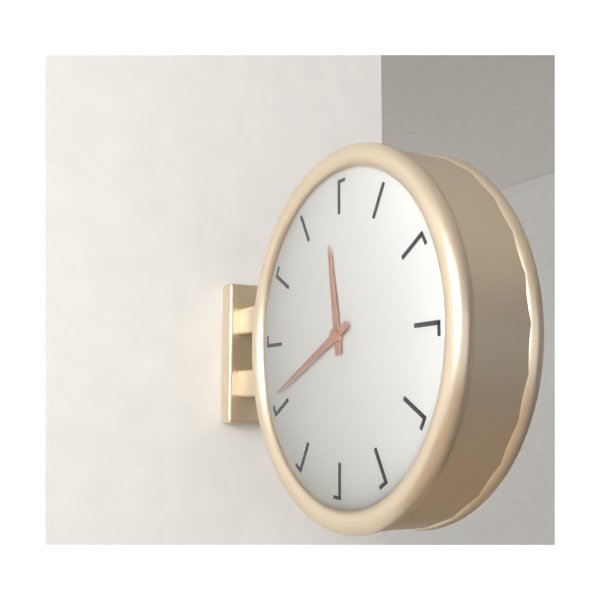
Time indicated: 11:41
